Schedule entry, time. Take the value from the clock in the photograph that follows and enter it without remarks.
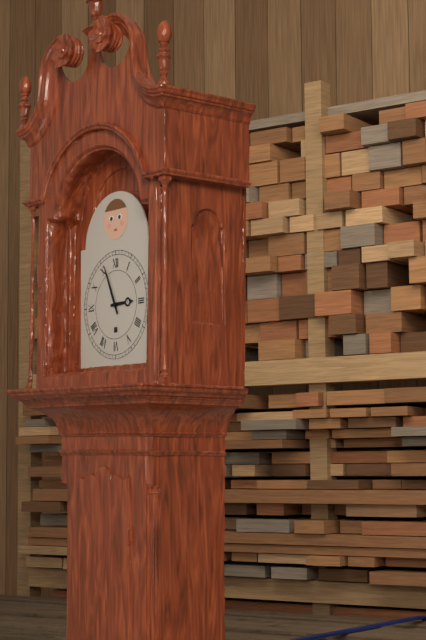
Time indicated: 2:56
